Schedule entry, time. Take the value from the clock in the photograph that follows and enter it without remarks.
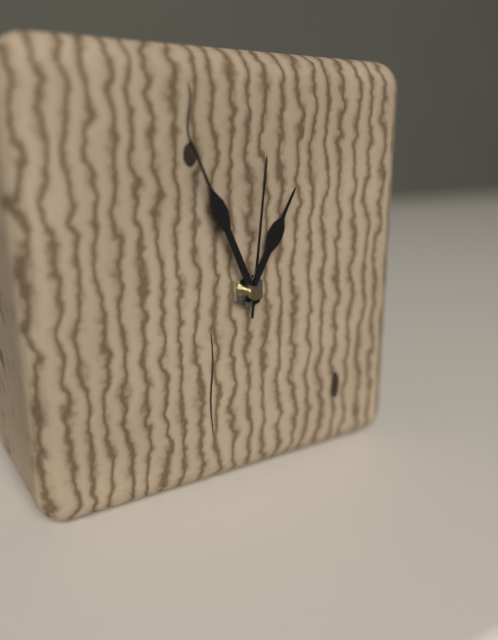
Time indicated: 12:56:01
